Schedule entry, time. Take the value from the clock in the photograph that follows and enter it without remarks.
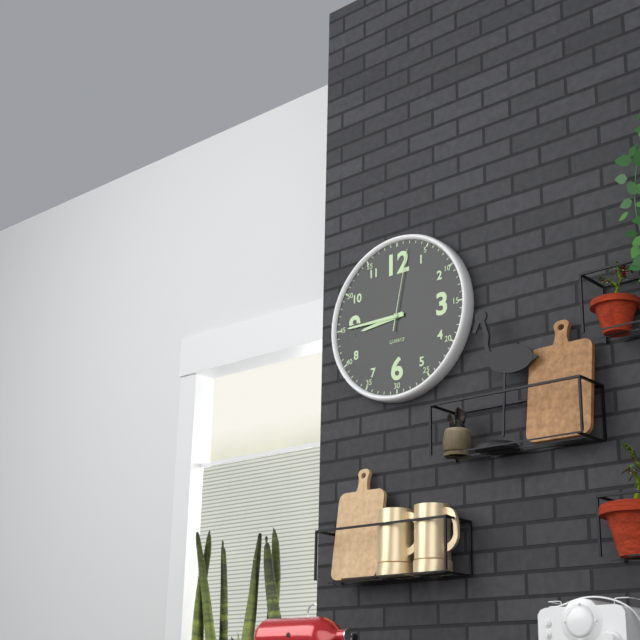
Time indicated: 8:45:02
